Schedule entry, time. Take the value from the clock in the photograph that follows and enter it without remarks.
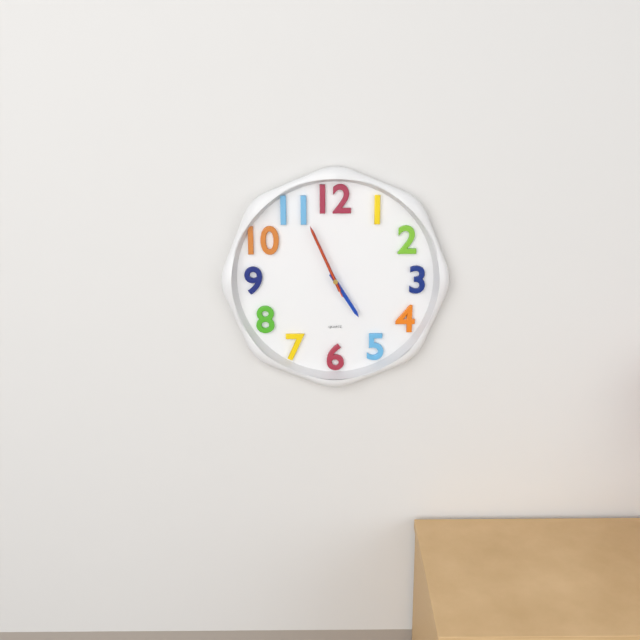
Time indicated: 4:56:56
